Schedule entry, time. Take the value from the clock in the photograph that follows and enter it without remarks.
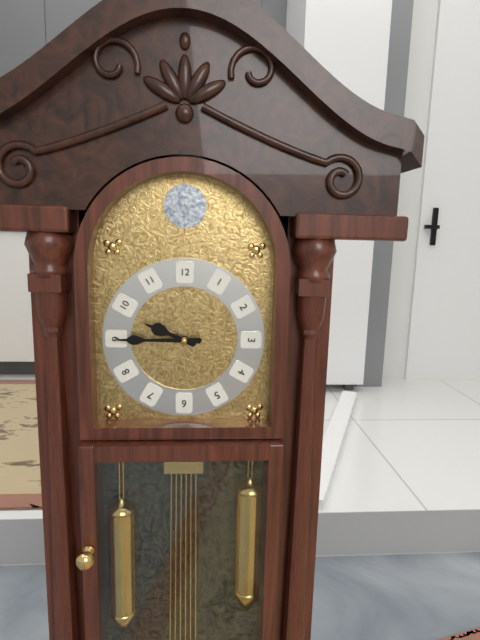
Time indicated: 9:45
